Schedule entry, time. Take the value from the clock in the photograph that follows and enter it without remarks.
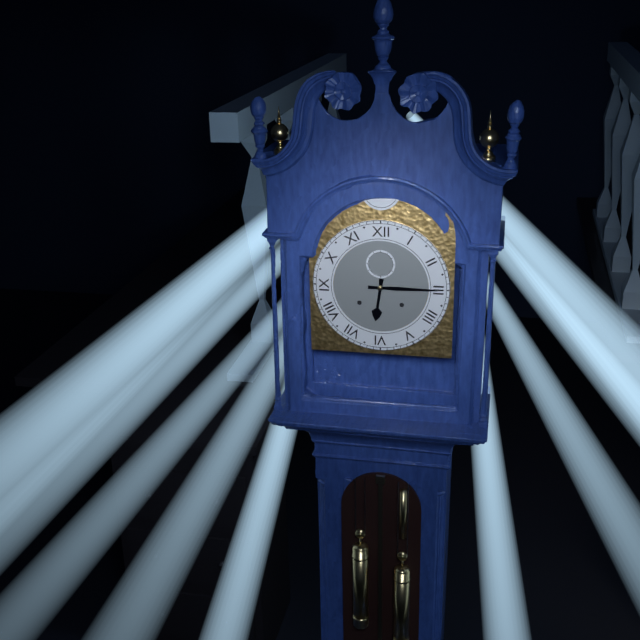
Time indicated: 6:15
